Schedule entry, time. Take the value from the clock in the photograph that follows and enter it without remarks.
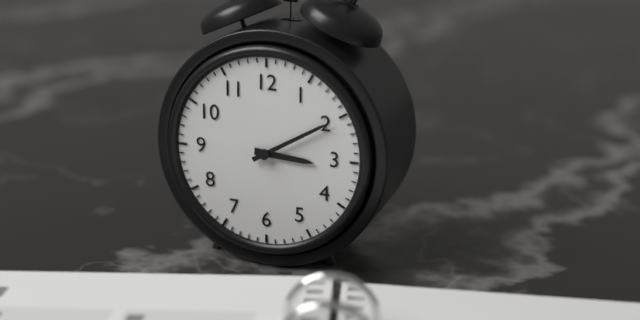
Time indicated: 3:10
